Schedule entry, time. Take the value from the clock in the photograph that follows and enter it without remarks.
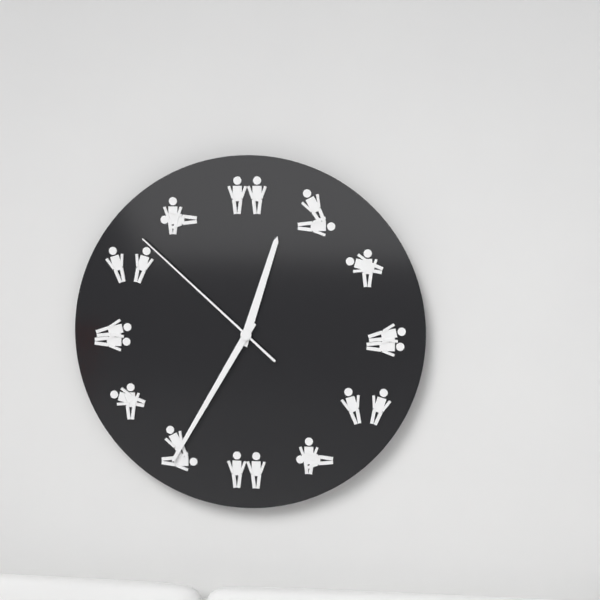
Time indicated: 12:35:52
